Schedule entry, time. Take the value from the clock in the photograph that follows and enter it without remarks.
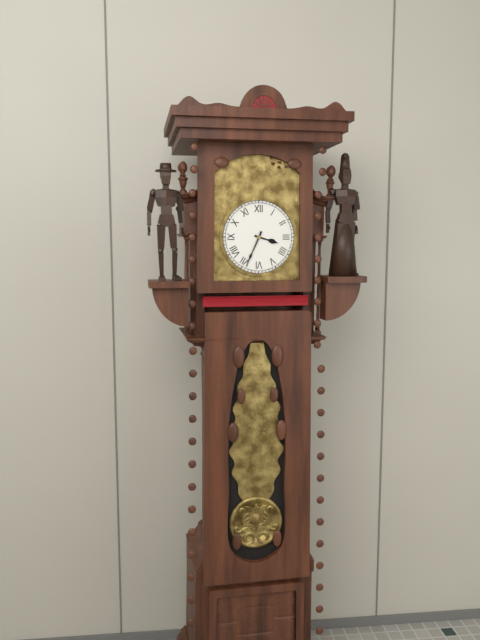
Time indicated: 3:34
